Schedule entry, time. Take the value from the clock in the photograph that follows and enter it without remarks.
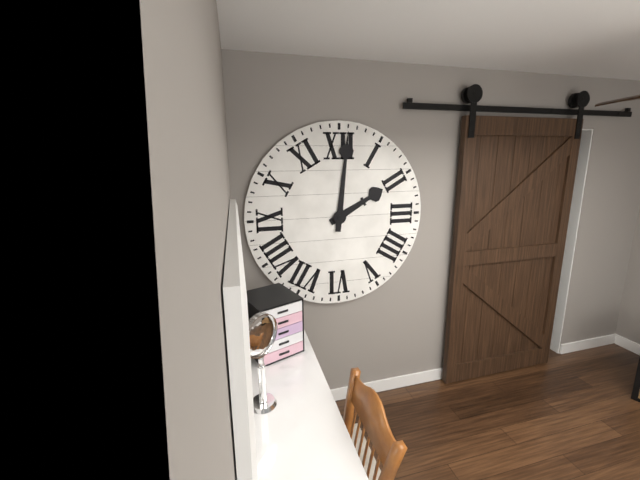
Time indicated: 2:01
